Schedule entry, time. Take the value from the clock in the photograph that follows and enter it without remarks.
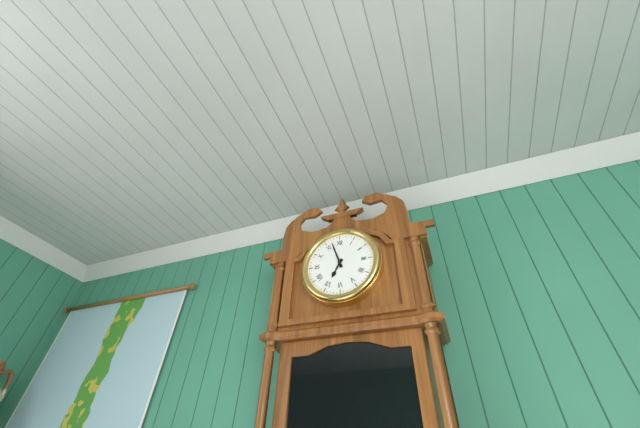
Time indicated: 6:57
